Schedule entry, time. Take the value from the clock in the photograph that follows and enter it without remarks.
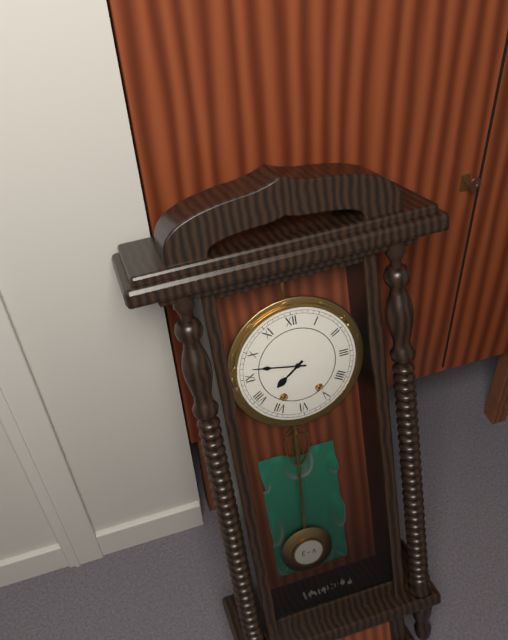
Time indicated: 7:47
